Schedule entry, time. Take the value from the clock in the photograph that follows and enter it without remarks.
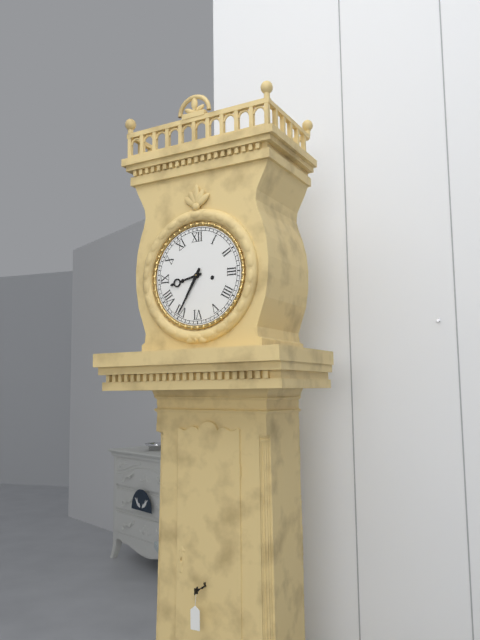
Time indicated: 8:35
